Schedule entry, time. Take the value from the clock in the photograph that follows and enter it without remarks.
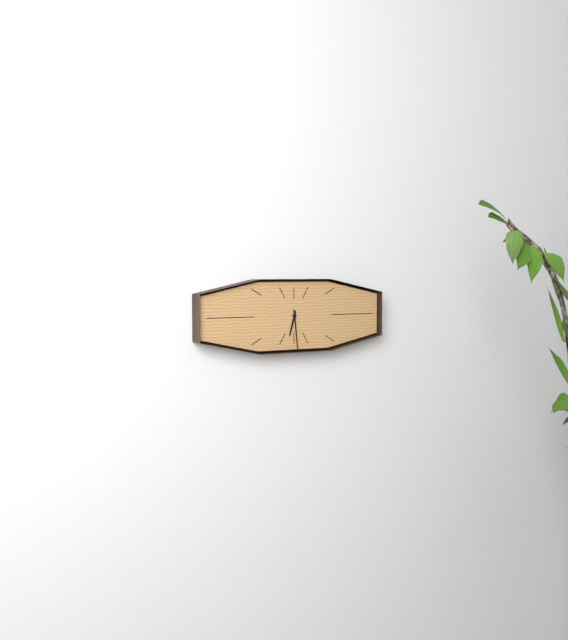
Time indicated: 6:29
